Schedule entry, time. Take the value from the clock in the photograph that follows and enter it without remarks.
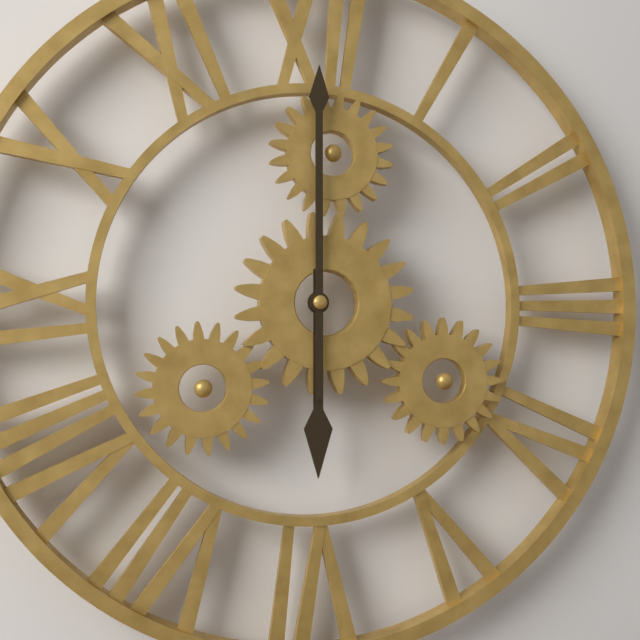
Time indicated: 6:00
